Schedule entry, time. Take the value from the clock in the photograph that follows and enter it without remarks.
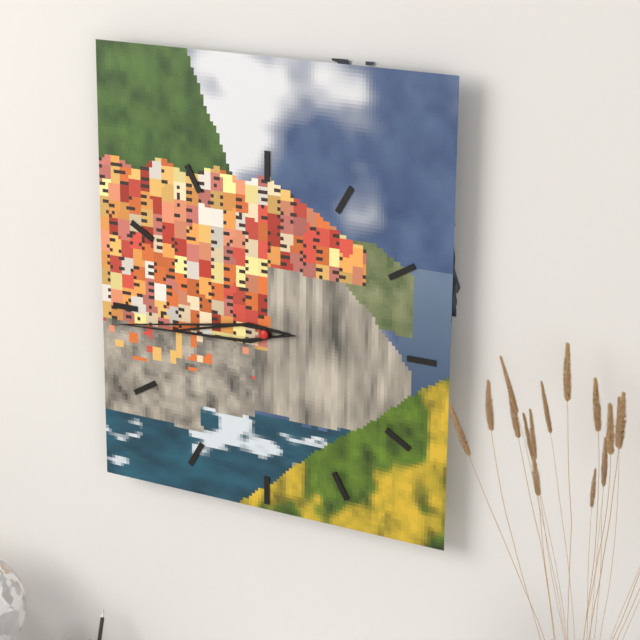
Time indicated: 8:44
